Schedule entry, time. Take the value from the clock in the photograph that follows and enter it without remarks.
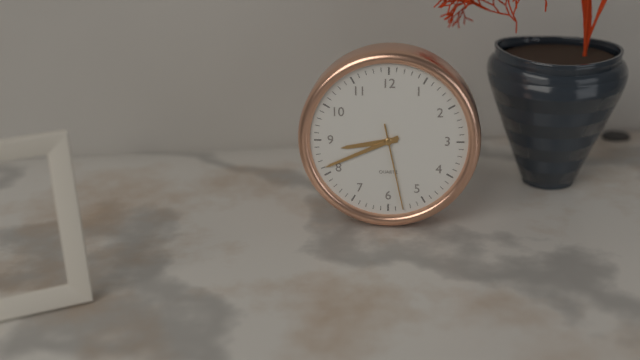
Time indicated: 8:41:28
